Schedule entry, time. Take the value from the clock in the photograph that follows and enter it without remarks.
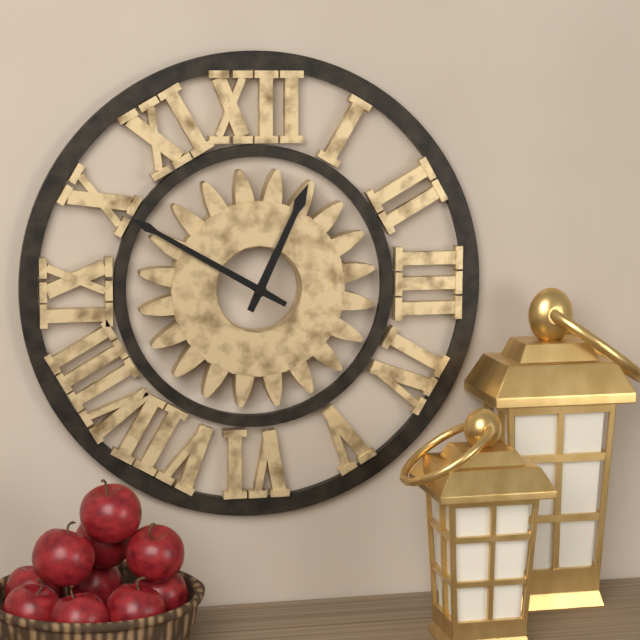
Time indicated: 12:50
